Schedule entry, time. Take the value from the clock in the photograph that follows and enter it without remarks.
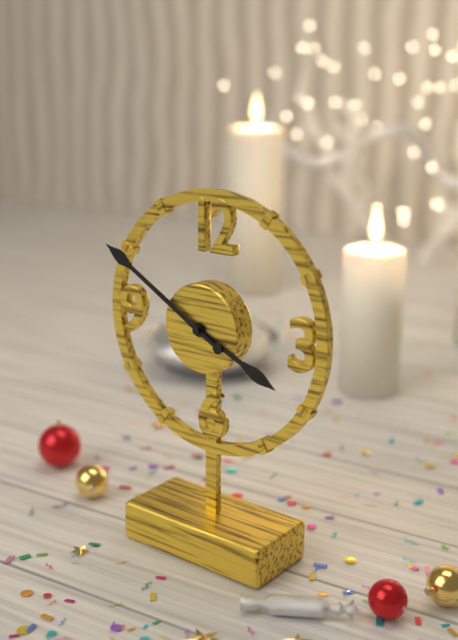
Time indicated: 3:50
